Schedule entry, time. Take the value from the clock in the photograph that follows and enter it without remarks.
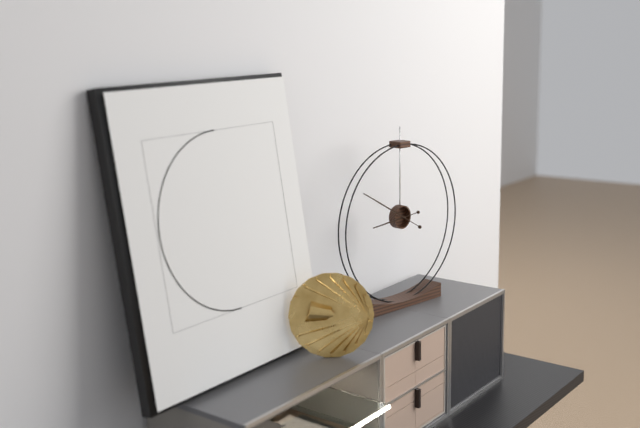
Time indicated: 8:50
